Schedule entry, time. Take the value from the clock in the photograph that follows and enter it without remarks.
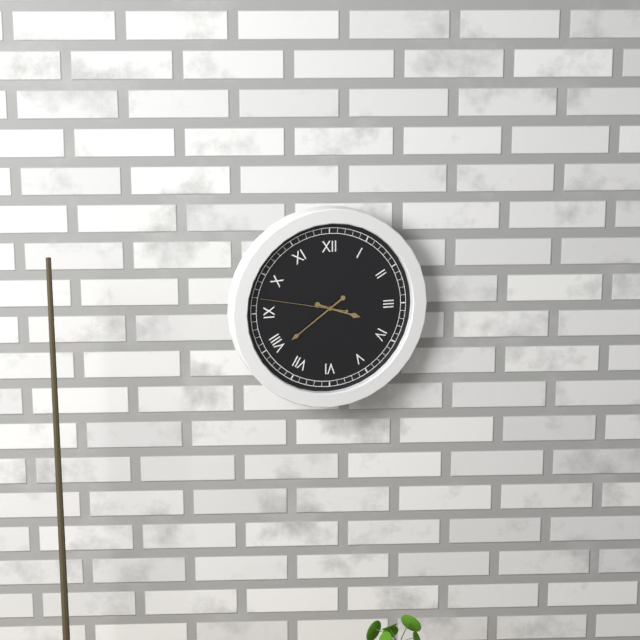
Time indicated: 3:39:47
